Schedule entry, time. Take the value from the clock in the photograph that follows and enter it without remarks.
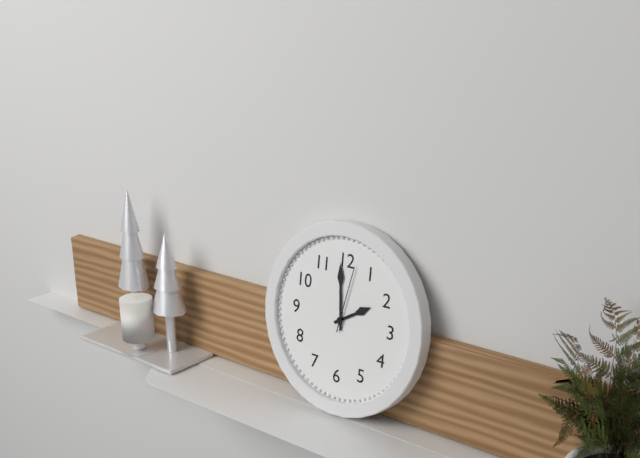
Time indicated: 1:59:02
